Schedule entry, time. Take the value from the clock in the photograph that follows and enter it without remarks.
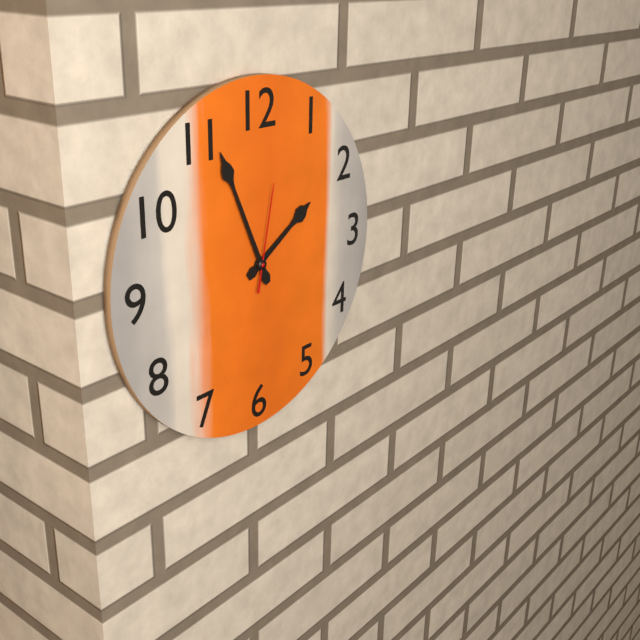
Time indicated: 1:56:02
